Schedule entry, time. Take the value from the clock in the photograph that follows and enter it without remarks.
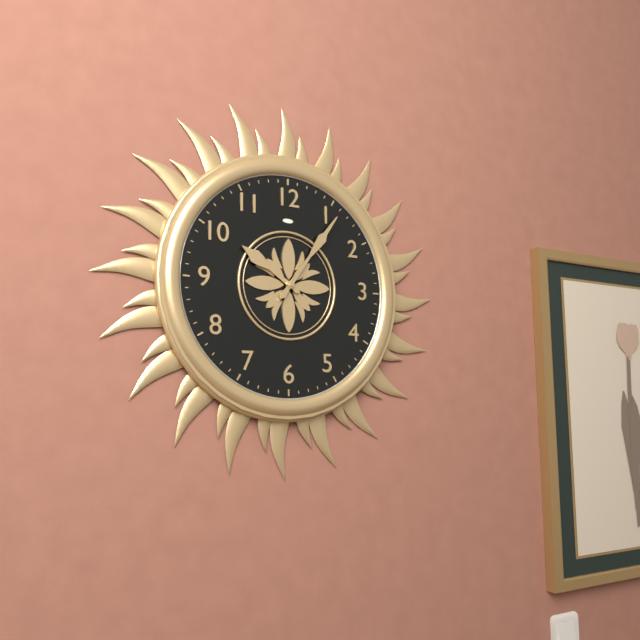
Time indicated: 10:06
